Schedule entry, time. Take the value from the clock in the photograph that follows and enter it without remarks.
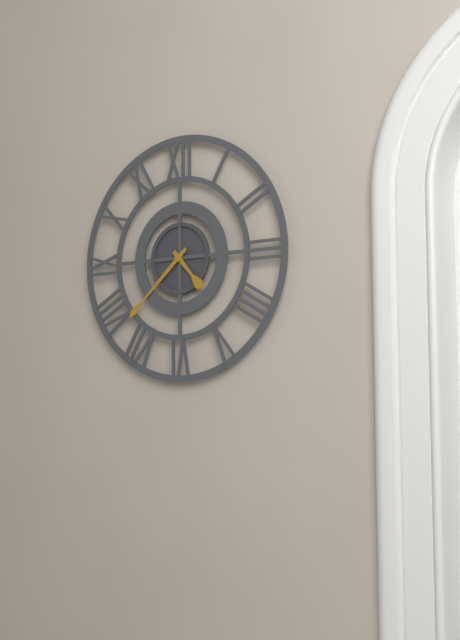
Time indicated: 4:38
